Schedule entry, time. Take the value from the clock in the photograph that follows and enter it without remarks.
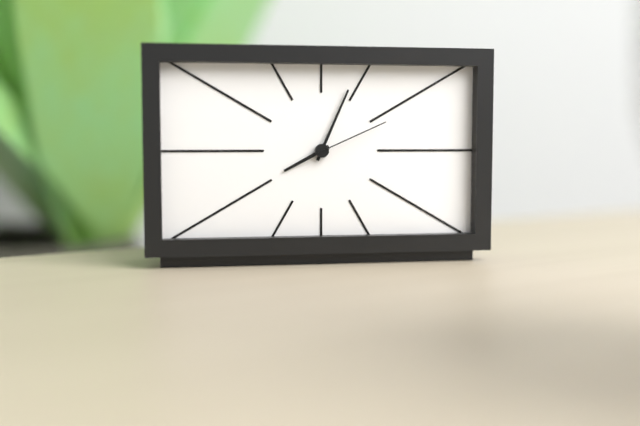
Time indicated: 8:04:11
